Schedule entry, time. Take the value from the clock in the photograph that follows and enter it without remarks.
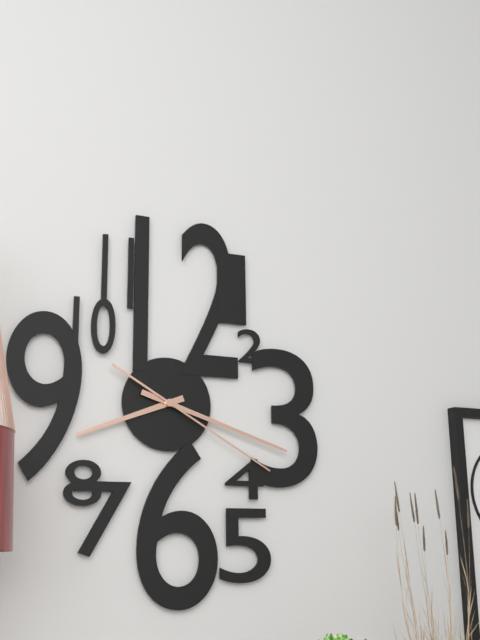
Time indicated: 8:18:20
